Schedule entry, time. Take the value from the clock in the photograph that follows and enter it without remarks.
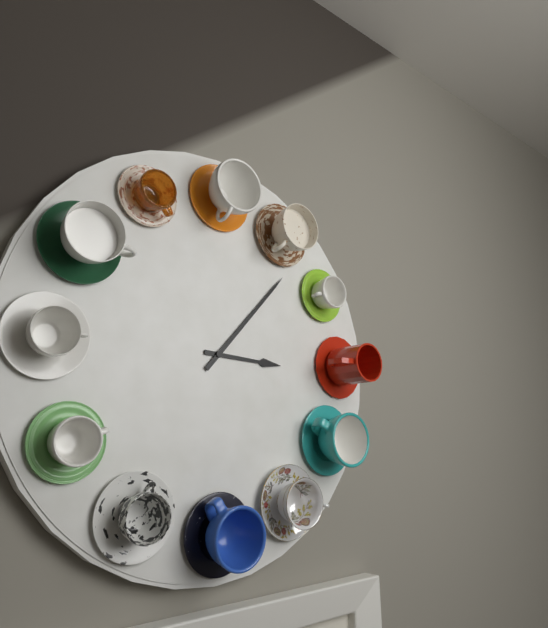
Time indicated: 3:07
